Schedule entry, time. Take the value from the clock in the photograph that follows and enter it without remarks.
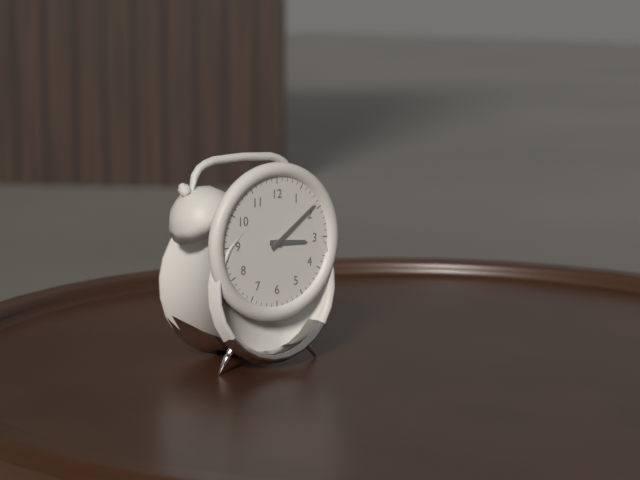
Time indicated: 3:09
